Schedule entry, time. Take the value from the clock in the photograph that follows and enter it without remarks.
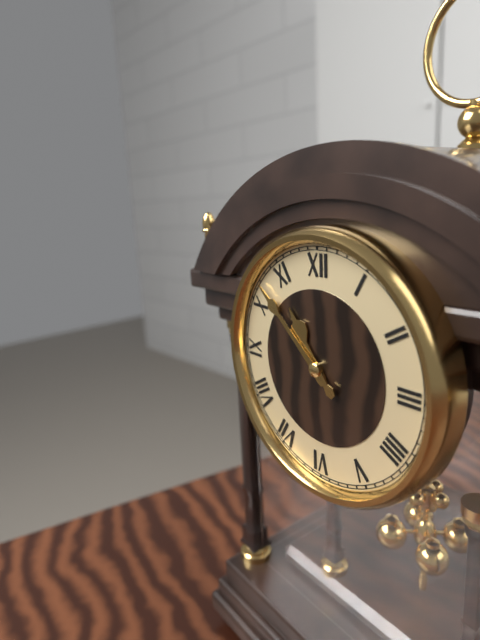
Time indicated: 10:52
